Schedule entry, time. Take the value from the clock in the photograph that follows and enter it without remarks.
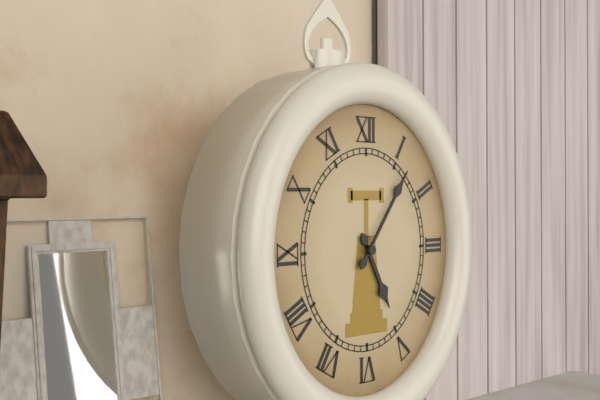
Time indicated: 5:06
